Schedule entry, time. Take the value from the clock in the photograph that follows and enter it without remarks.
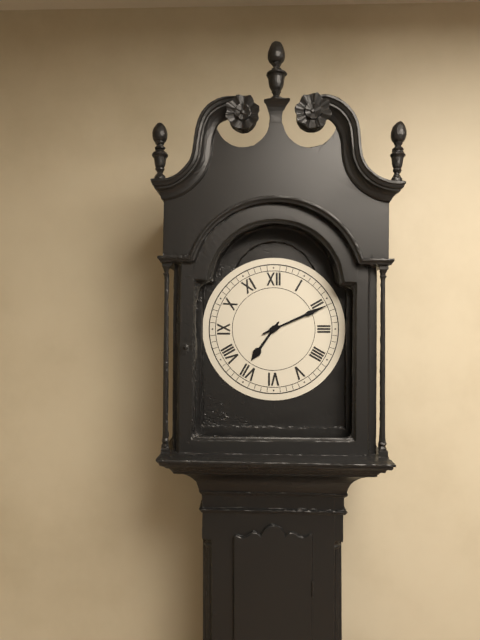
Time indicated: 7:11
